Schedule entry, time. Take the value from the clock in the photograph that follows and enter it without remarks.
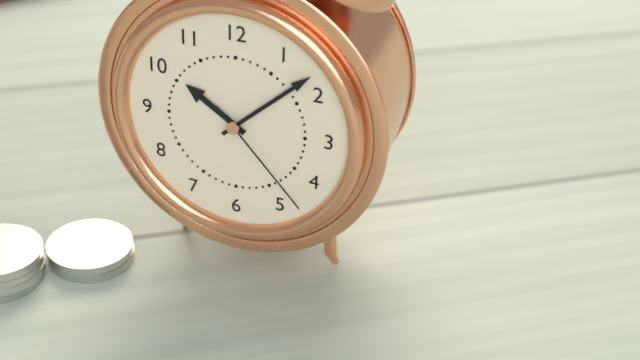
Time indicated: 10:08:23
